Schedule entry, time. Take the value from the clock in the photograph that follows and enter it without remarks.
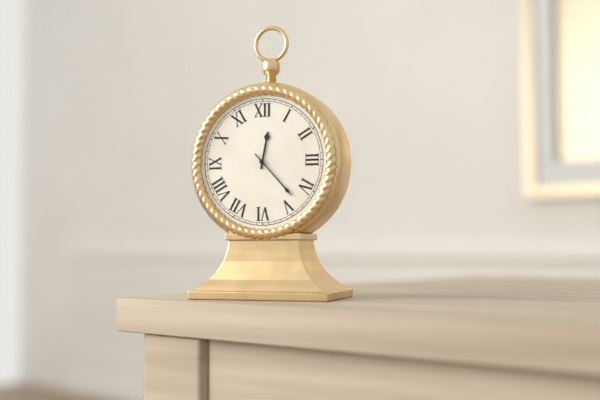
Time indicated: 12:23
